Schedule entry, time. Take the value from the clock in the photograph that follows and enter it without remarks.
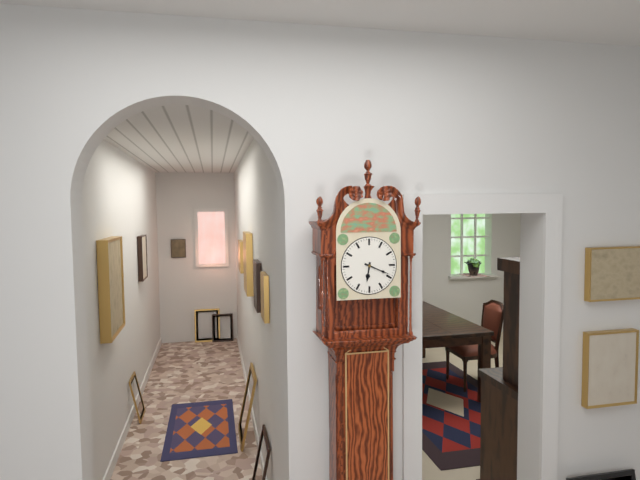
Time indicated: 6:19
